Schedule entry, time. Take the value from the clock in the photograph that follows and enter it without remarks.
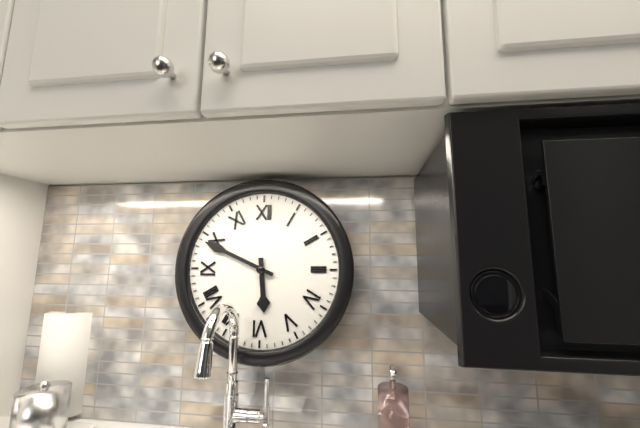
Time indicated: 5:49
